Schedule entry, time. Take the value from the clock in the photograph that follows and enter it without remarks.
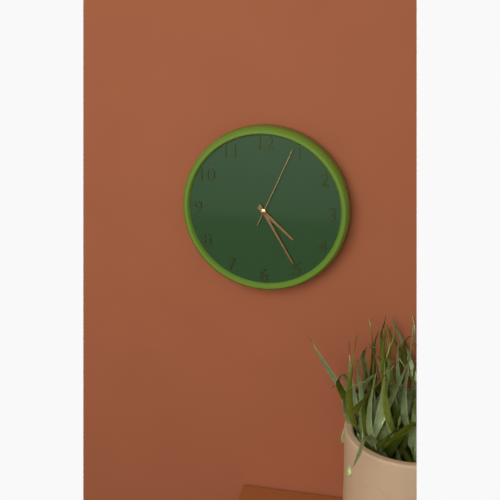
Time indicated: 4:25:04
